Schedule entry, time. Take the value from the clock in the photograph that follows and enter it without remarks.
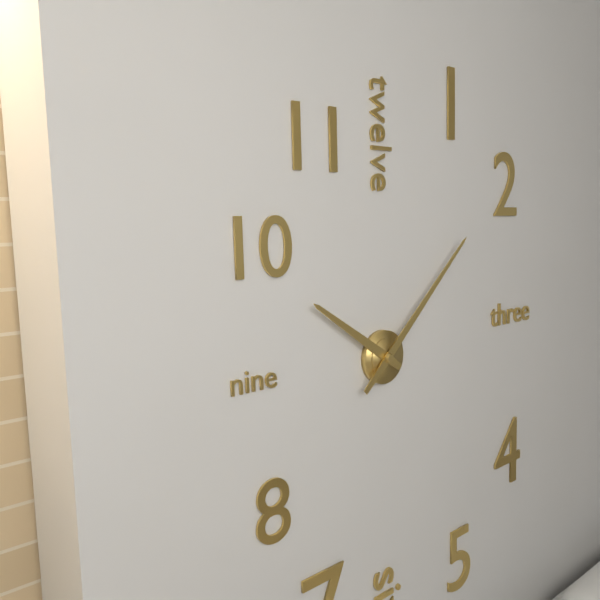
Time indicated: 10:08
